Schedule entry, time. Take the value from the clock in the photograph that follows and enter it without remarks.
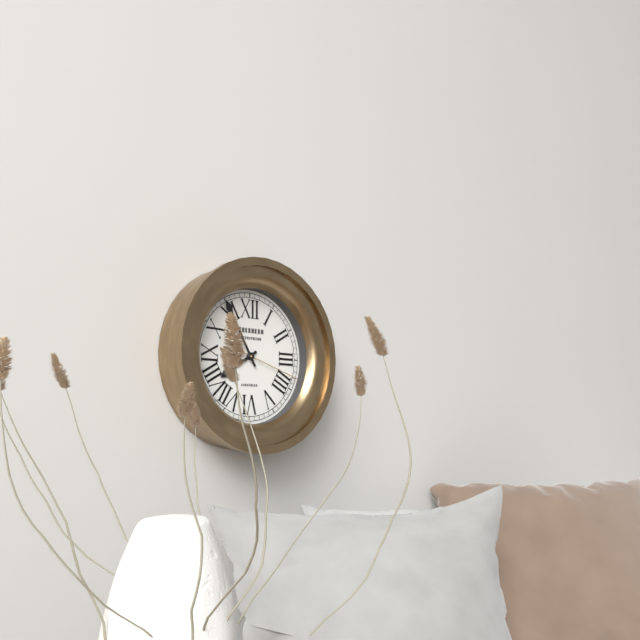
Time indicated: 7:55:18
